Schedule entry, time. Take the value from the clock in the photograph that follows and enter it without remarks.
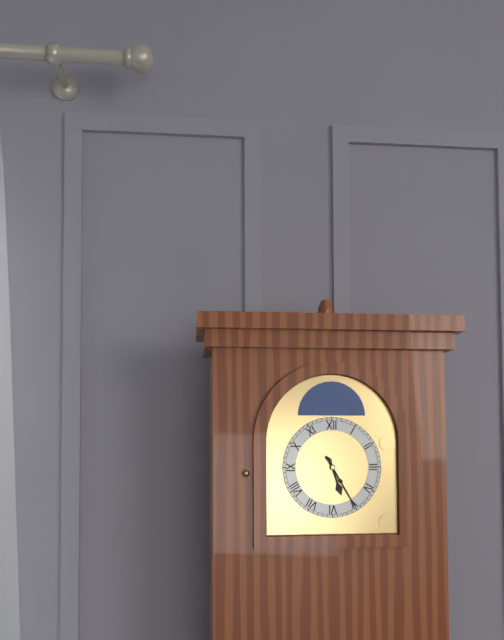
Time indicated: 5:25
